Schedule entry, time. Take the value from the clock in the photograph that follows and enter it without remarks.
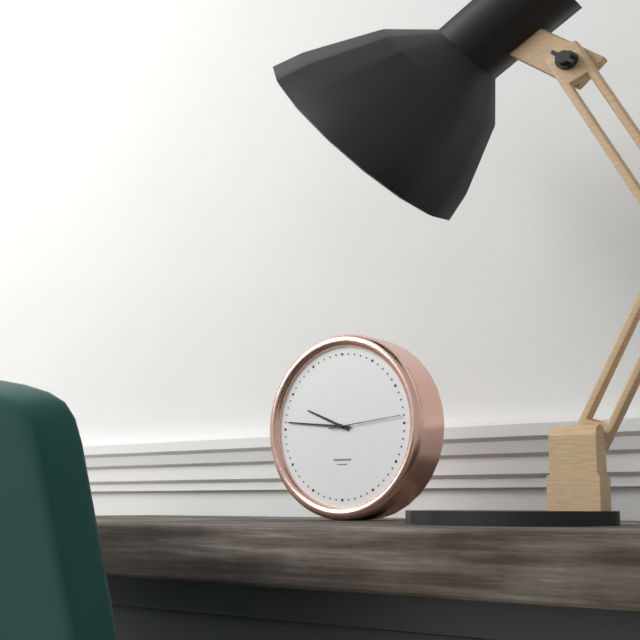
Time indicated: 9:46:14
